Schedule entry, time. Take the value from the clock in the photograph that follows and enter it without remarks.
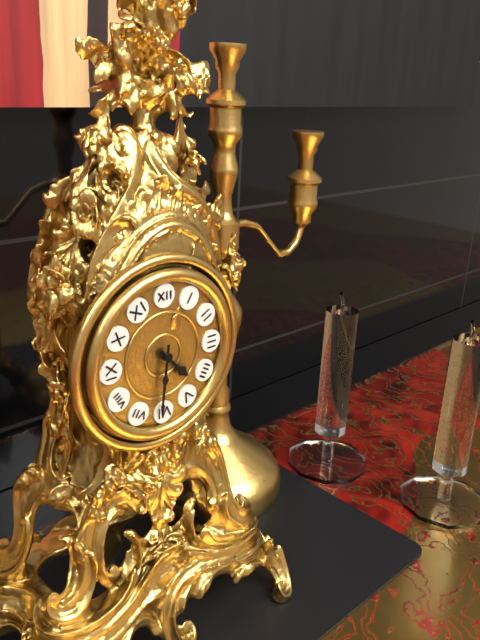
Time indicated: 4:31
